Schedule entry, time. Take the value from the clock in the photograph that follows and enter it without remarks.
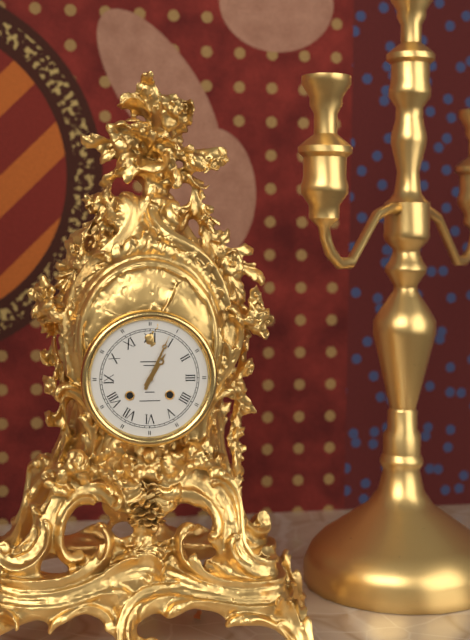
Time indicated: 1:04
